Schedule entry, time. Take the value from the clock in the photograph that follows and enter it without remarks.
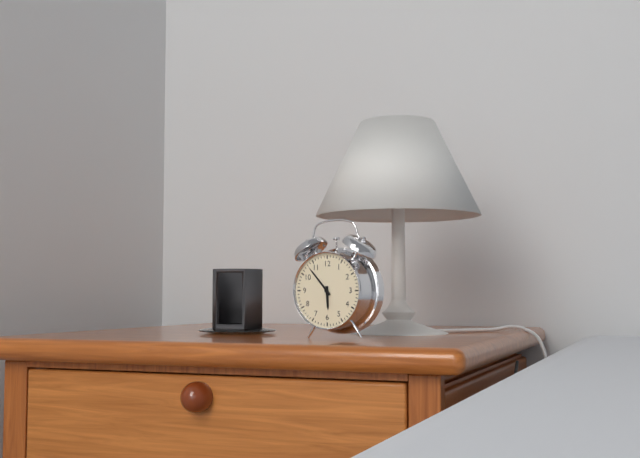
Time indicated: 5:53
